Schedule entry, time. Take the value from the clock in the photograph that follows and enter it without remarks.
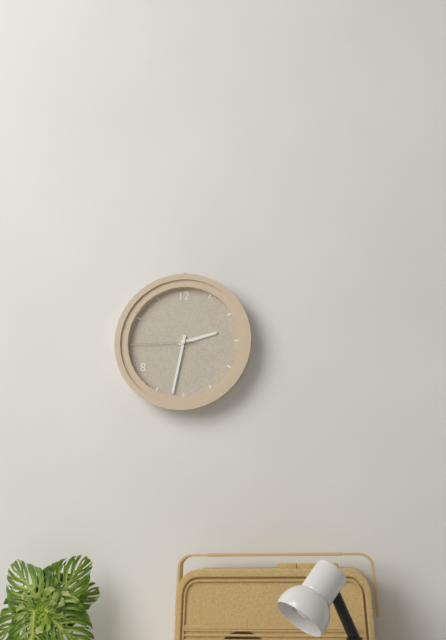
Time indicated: 2:32:45
